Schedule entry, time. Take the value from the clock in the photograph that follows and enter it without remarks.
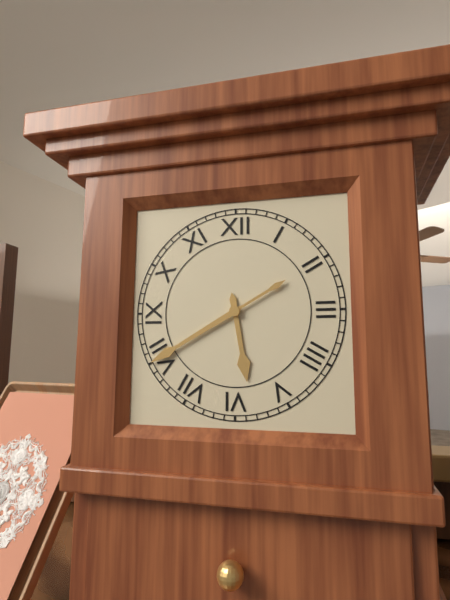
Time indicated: 5:40
